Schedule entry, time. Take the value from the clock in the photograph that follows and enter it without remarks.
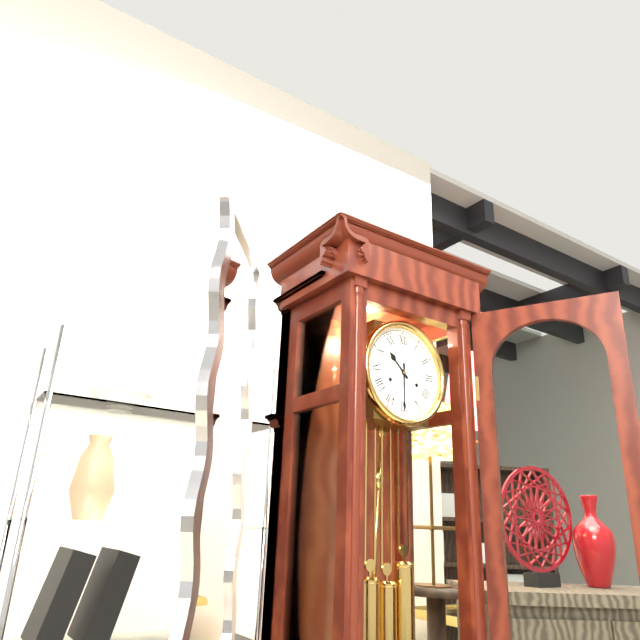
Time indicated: 10:30
